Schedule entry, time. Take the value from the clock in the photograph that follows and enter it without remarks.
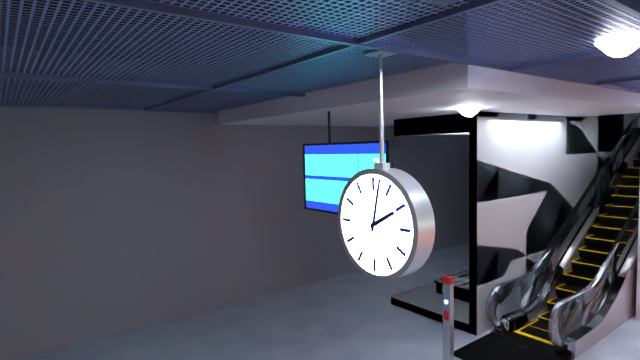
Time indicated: 2:02
